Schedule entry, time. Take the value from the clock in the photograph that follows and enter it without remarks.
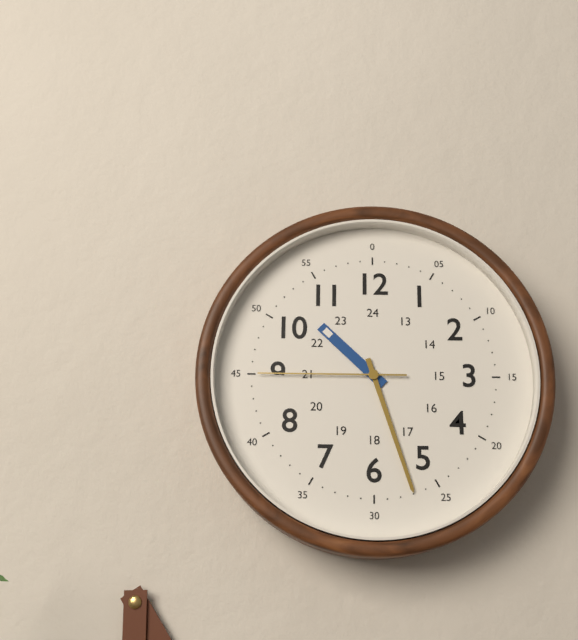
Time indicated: 10:27:45
